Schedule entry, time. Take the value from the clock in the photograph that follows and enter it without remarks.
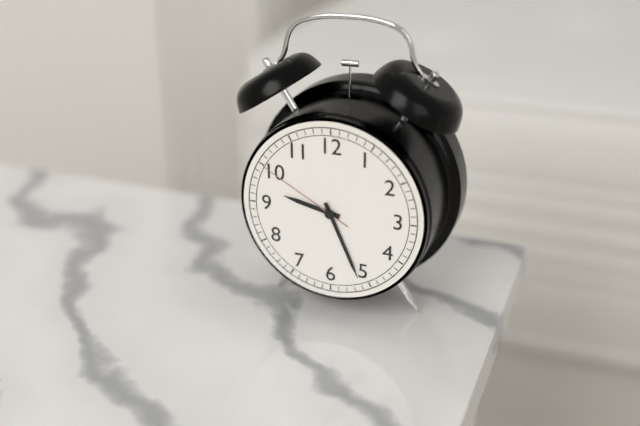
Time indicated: 9:26:50
